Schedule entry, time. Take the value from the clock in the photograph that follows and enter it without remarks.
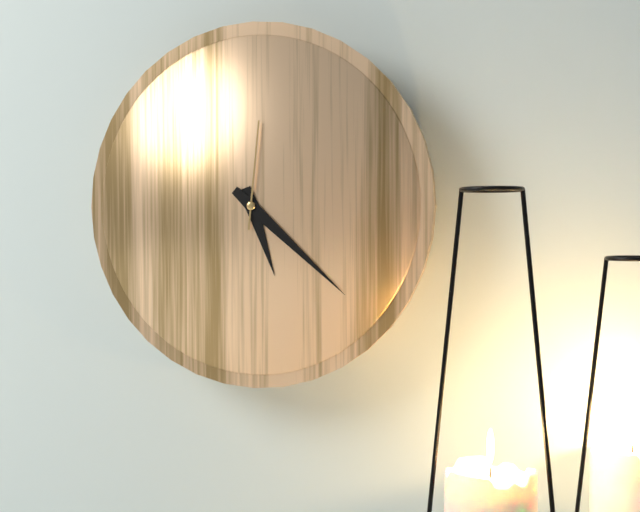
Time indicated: 5:22:01
